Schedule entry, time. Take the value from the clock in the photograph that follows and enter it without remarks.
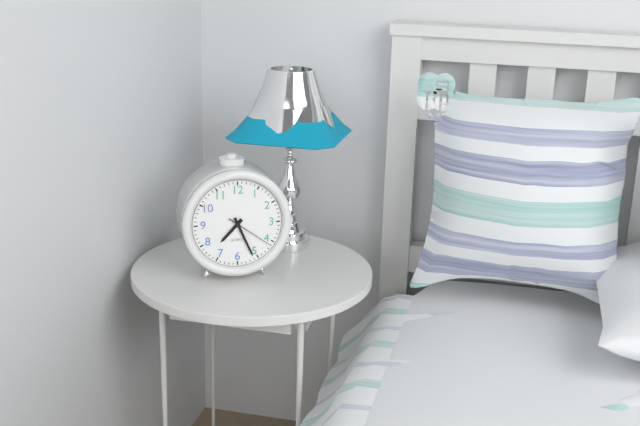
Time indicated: 7:26
